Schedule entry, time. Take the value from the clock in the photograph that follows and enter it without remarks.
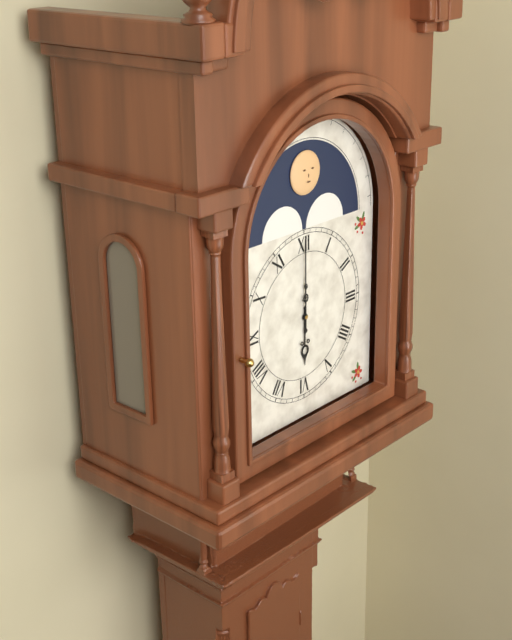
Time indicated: 6:00
